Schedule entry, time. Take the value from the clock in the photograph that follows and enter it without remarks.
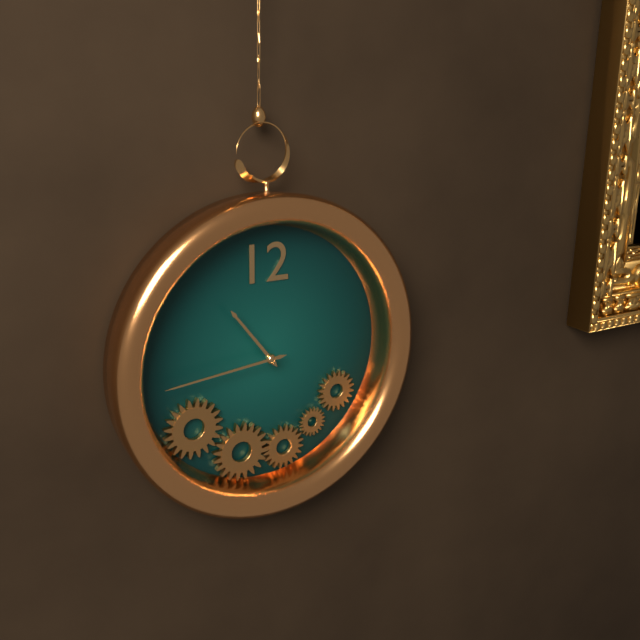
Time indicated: 10:44
